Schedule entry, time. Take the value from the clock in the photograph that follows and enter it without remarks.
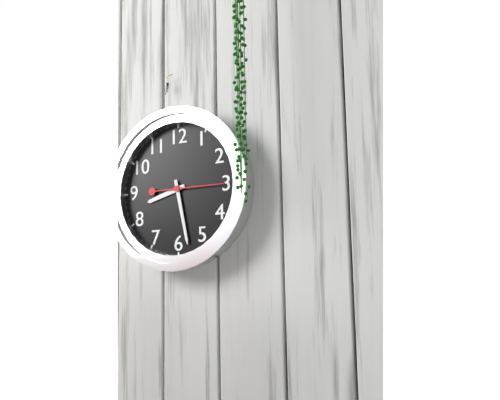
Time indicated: 8:28:15
